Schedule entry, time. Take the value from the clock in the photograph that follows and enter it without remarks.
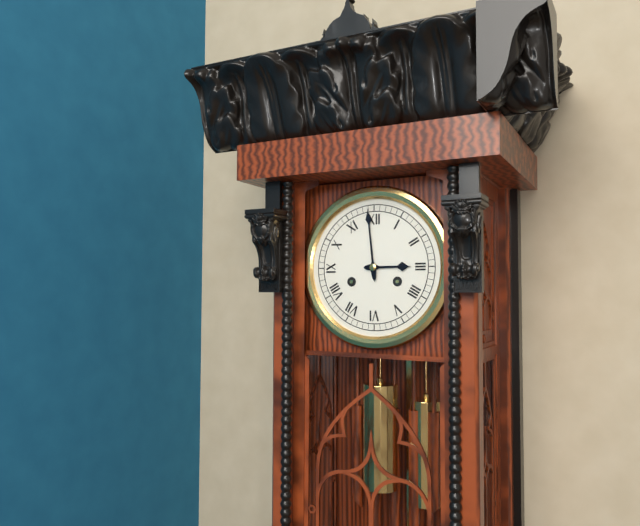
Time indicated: 2:59
